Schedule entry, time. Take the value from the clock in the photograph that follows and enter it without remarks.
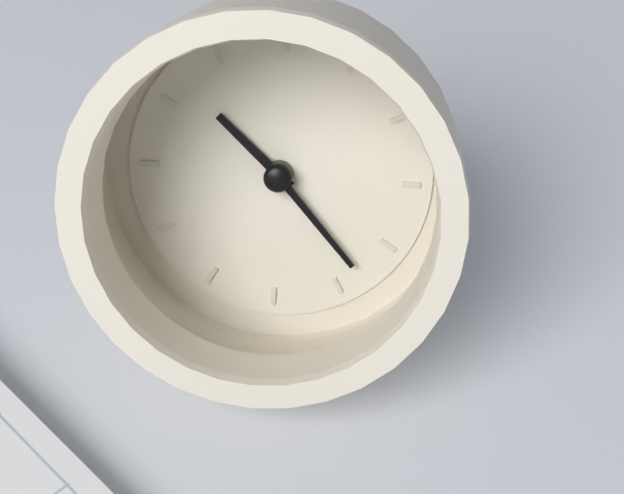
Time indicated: 10:23
